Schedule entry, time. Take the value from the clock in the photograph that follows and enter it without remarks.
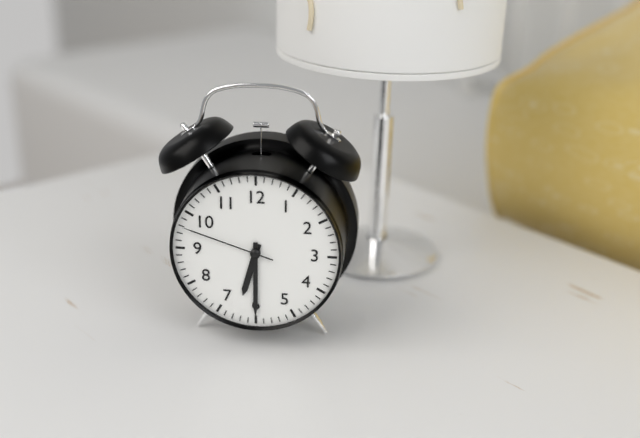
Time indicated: 6:30:48
